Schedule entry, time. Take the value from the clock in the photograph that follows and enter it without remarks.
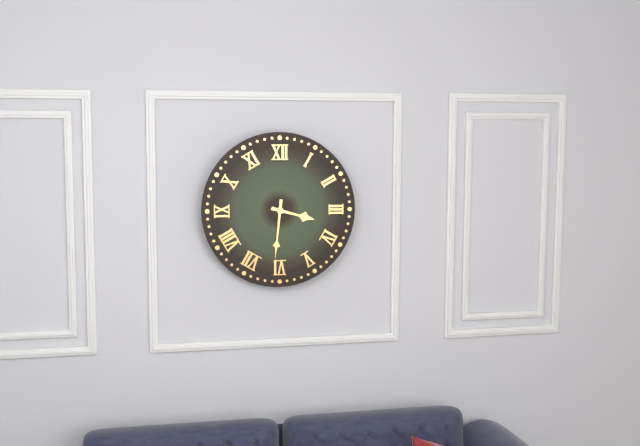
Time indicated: 3:31
